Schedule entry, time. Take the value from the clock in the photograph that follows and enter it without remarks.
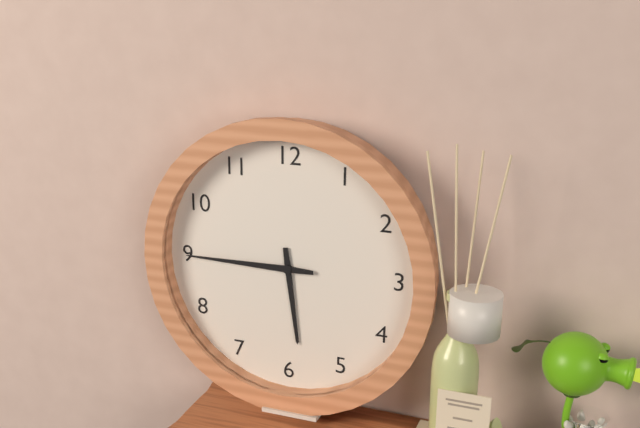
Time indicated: 5:45
